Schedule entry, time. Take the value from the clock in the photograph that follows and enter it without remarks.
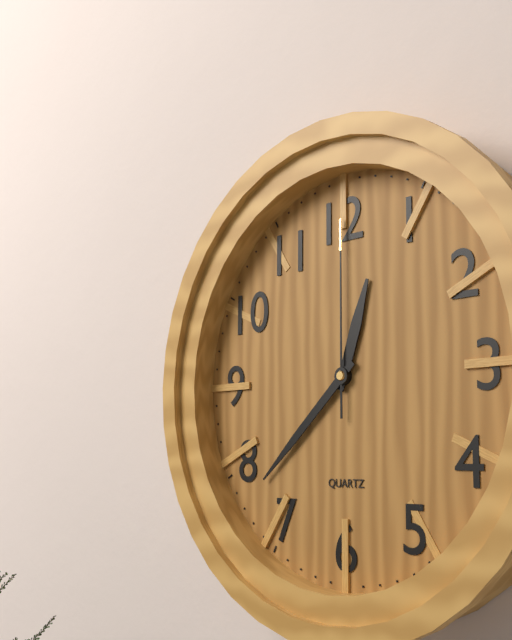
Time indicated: 12:38:00
